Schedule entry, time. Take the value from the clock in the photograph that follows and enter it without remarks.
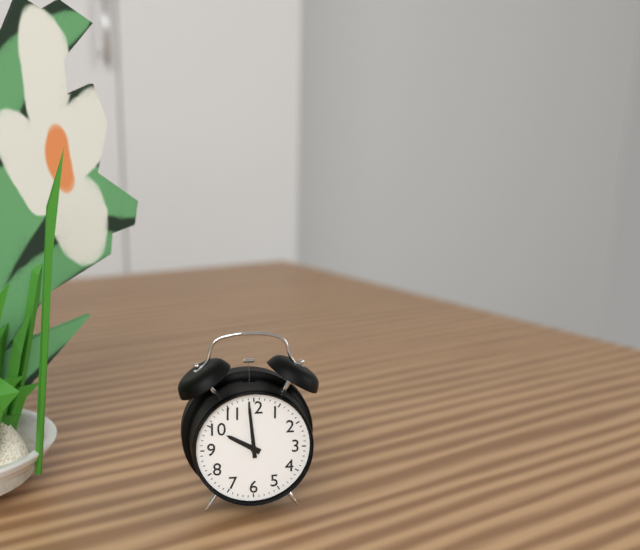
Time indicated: 9:59
